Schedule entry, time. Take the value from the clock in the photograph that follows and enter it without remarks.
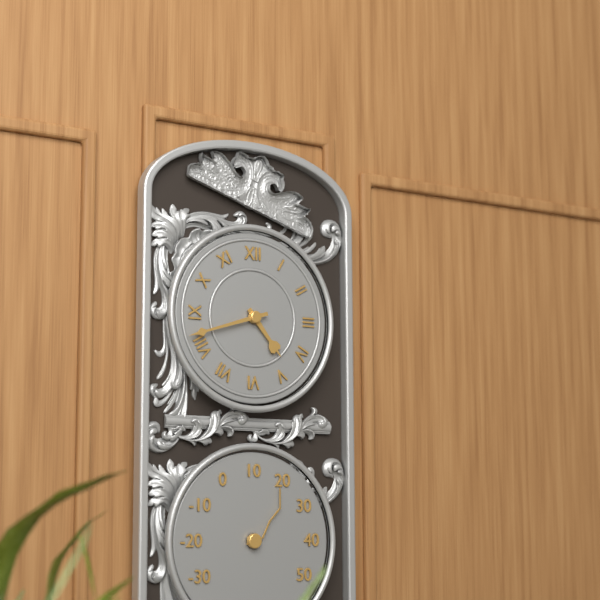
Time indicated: 4:42
